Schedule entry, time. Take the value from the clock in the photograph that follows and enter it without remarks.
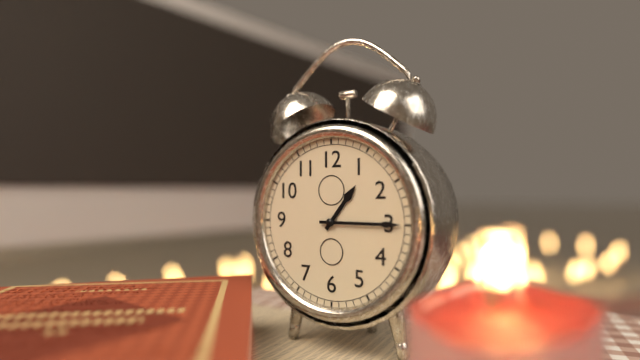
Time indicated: 1:15
